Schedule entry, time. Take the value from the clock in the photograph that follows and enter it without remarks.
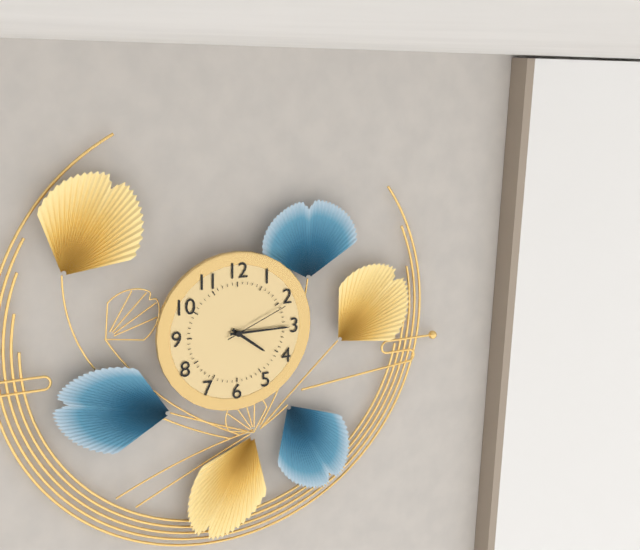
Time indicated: 4:15:11
